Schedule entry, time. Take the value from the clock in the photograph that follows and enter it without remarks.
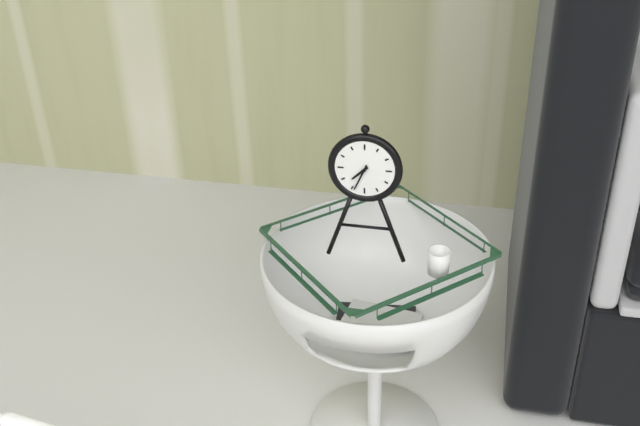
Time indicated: 7:34
